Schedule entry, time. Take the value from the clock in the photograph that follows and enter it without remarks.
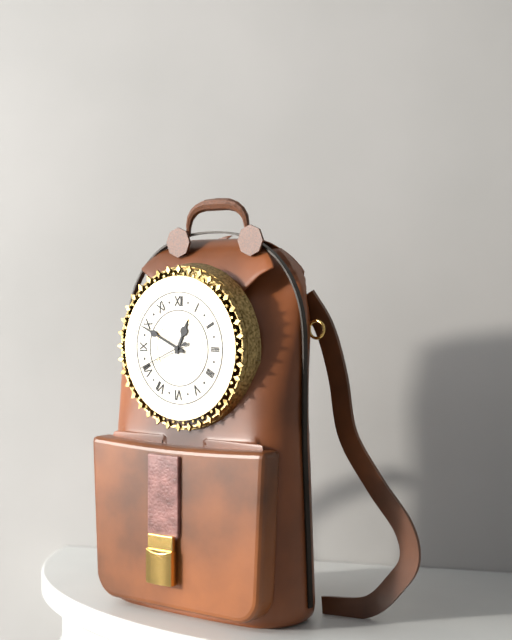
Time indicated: 12:49:41
